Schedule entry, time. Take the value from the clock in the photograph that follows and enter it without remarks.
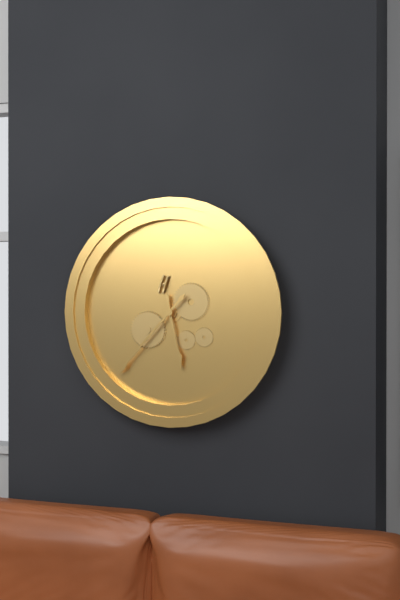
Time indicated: 5:37
